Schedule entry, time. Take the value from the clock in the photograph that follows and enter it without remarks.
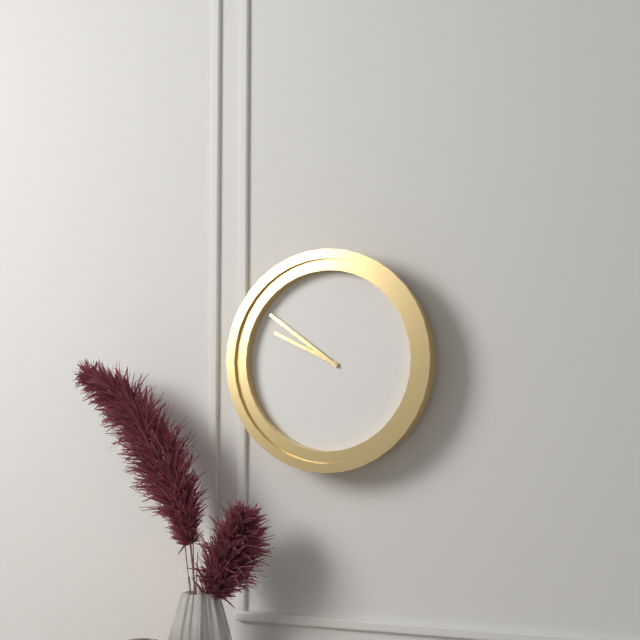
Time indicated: 9:51
